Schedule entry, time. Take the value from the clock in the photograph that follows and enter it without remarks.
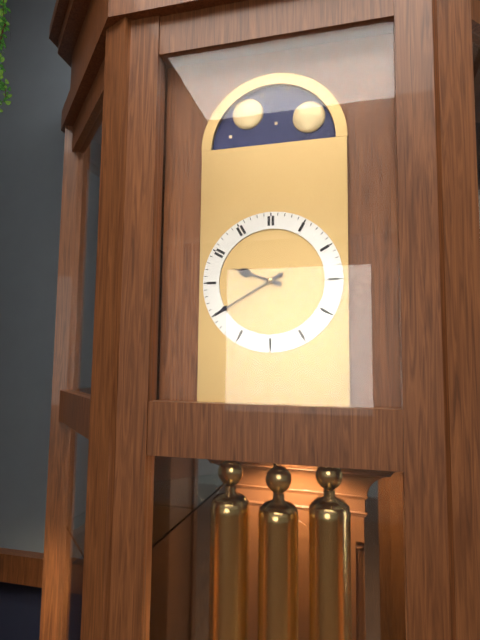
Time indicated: 9:40
